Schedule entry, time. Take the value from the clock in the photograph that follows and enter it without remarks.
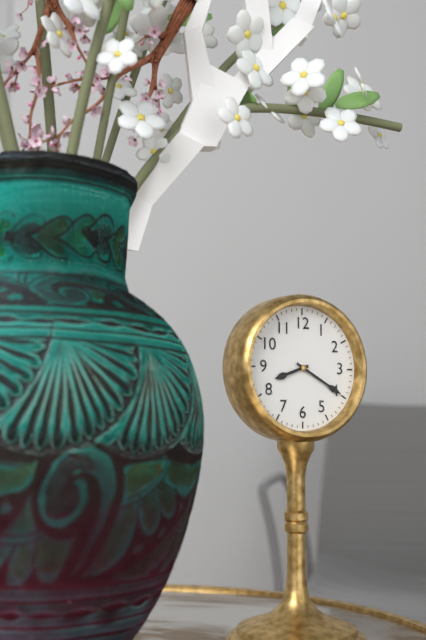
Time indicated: 8:20
